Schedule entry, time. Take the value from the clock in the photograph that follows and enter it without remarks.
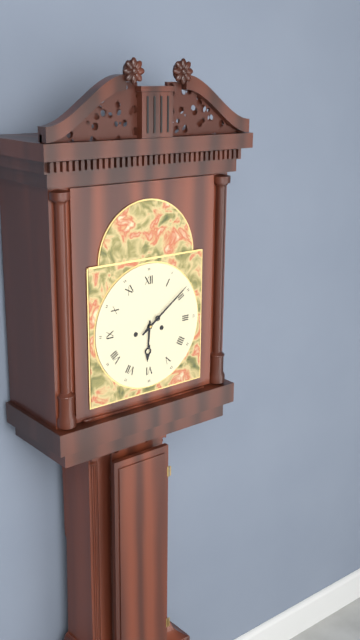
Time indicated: 6:09
